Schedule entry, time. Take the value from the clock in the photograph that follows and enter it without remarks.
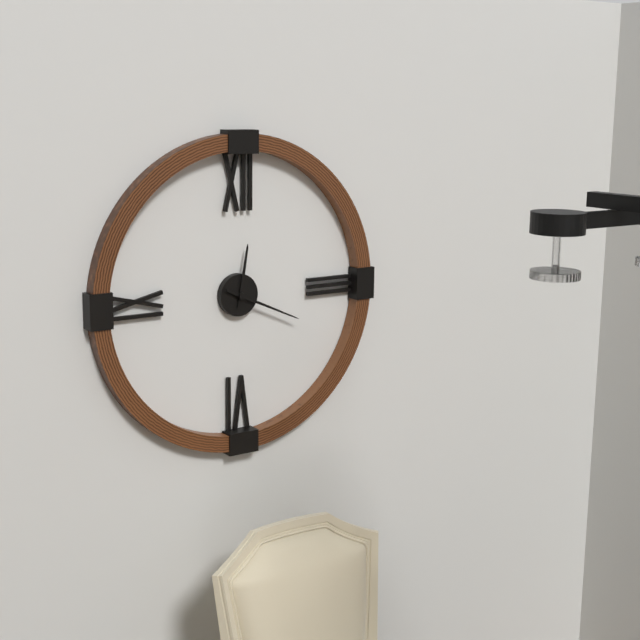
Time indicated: 12:19
